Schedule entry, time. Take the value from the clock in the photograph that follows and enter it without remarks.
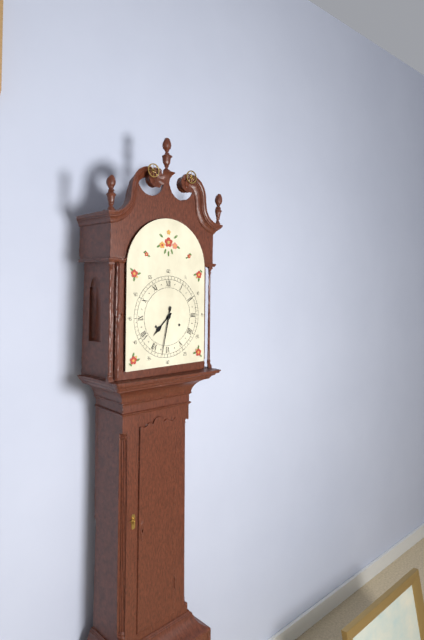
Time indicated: 7:32
